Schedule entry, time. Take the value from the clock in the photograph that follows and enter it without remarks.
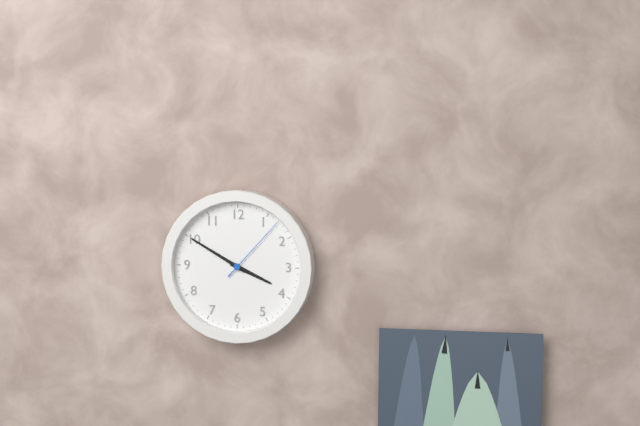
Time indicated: 3:50:07
